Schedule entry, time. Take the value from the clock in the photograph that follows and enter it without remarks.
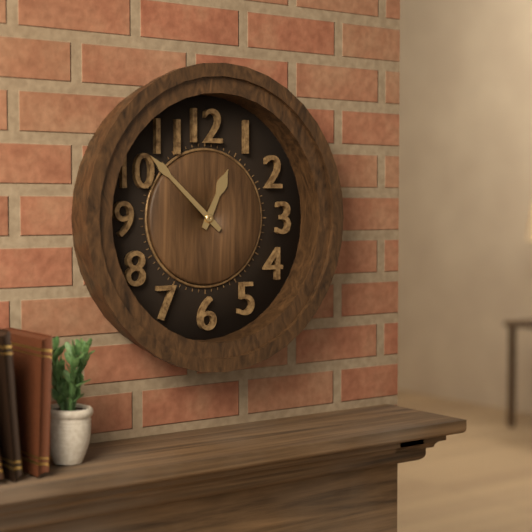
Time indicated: 12:52
